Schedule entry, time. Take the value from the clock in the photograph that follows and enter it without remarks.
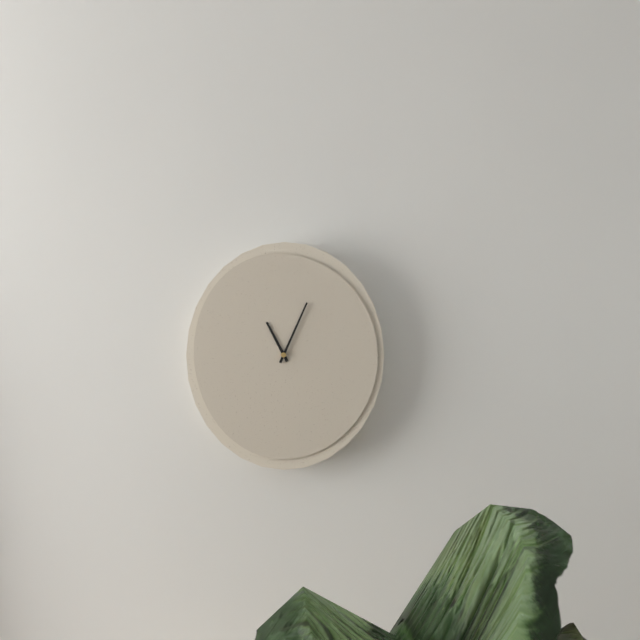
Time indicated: 11:04
